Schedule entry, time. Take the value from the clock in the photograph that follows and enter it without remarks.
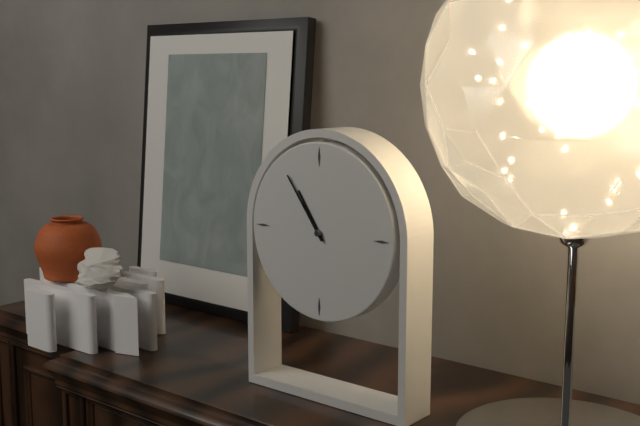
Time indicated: 10:54
